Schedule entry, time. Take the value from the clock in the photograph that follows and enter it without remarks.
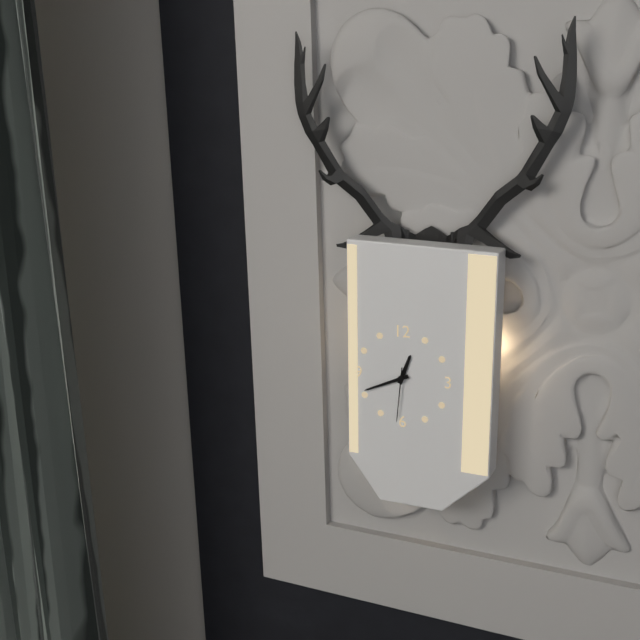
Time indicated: 12:41:31
